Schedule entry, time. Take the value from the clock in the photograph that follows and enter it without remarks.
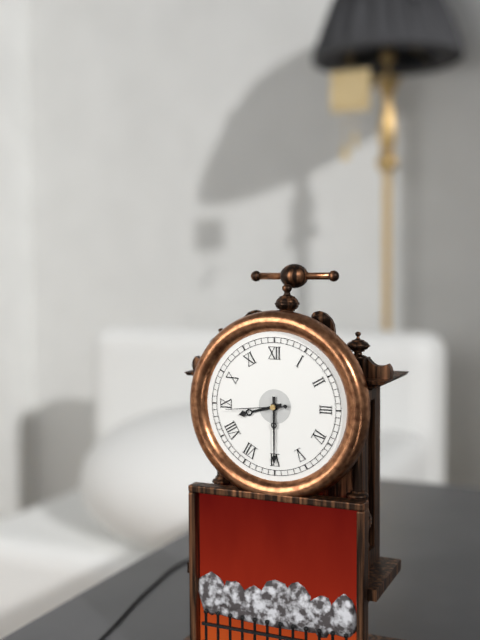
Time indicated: 8:30:44
